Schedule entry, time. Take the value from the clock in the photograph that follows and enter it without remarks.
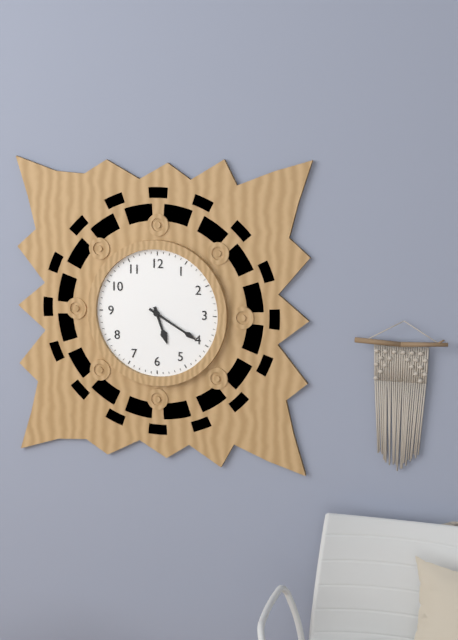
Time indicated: 5:20
